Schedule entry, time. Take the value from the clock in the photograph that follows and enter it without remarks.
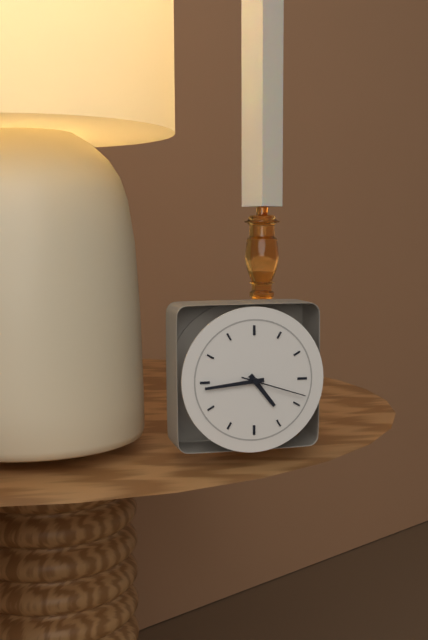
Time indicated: 4:44:18
